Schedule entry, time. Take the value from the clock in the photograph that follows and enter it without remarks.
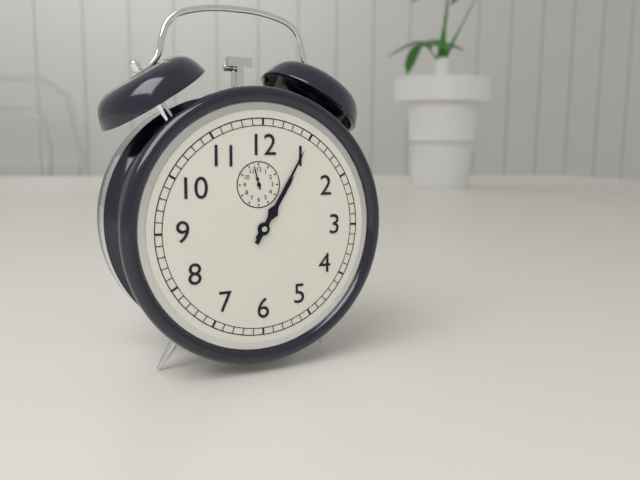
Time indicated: 1:05
